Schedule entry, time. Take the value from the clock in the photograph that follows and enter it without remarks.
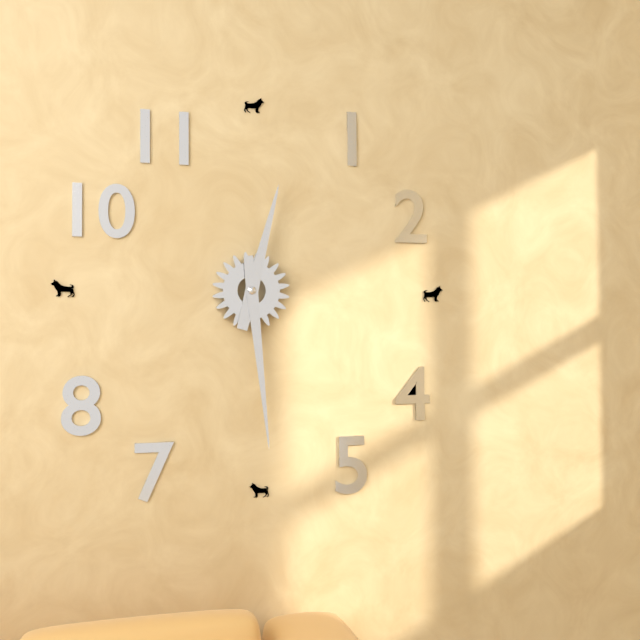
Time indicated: 12:29
